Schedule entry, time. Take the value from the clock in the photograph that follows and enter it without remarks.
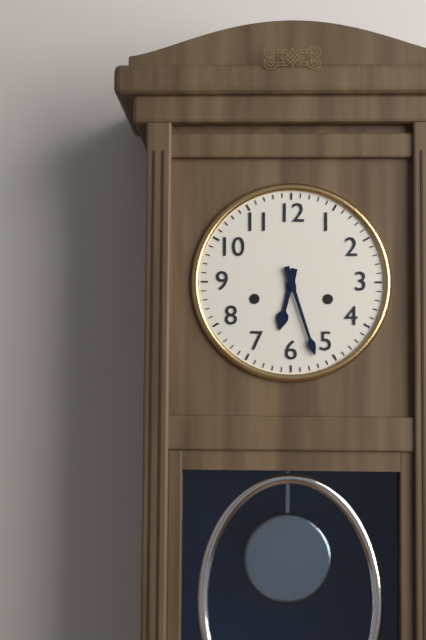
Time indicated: 6:27
